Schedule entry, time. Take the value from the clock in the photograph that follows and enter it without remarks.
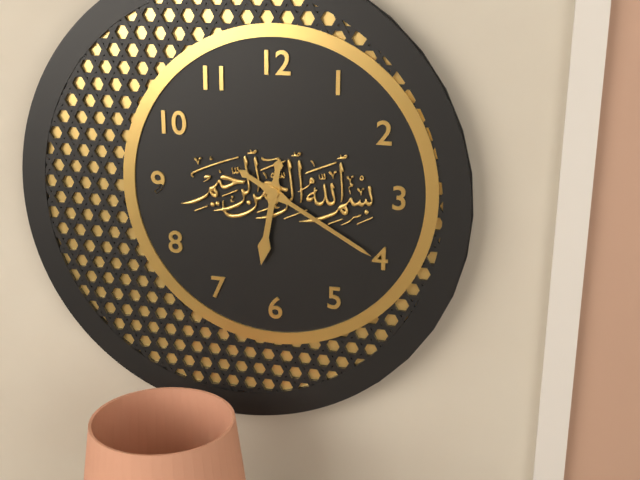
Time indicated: 6:20
